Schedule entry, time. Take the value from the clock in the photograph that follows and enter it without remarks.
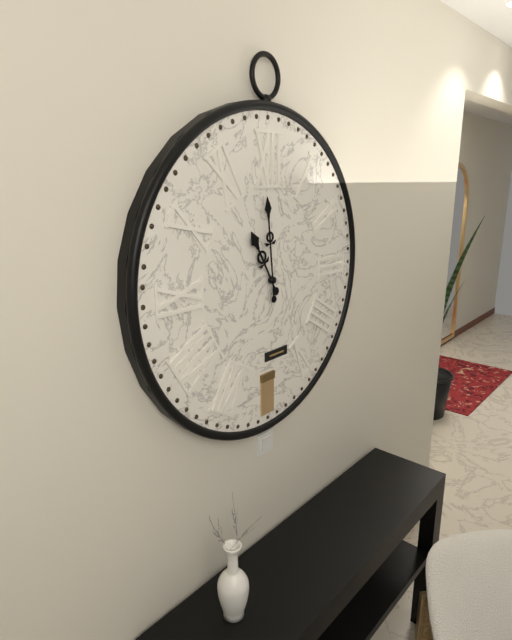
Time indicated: 10:59
